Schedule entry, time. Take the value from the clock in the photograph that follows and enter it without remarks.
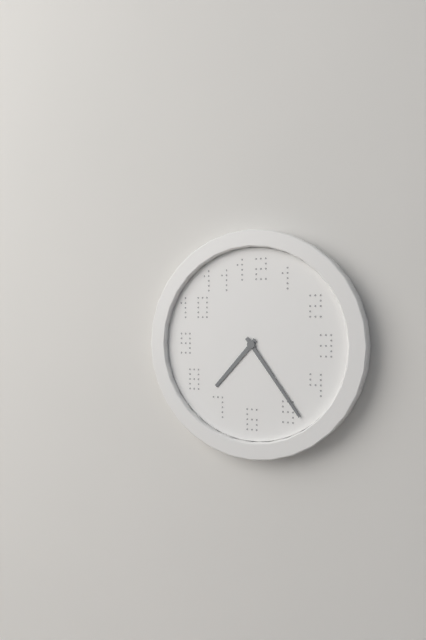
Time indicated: 7:24
